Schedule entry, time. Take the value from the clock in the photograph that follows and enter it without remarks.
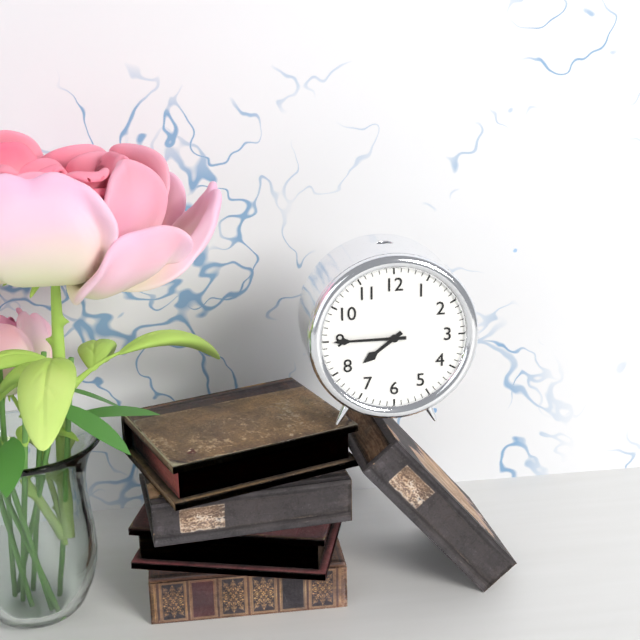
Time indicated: 7:45
